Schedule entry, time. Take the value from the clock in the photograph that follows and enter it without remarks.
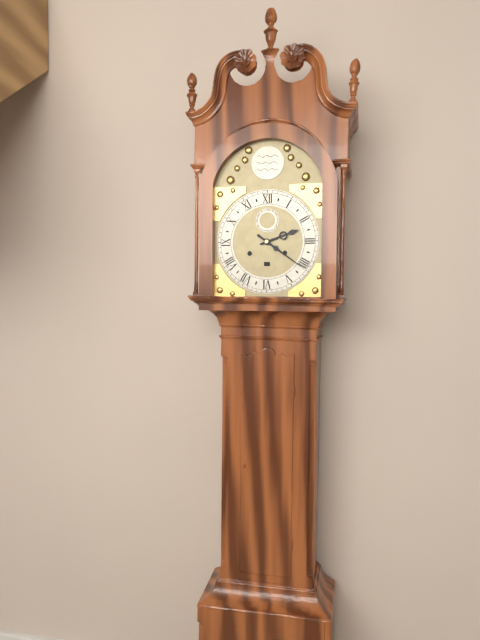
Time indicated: 2:21
